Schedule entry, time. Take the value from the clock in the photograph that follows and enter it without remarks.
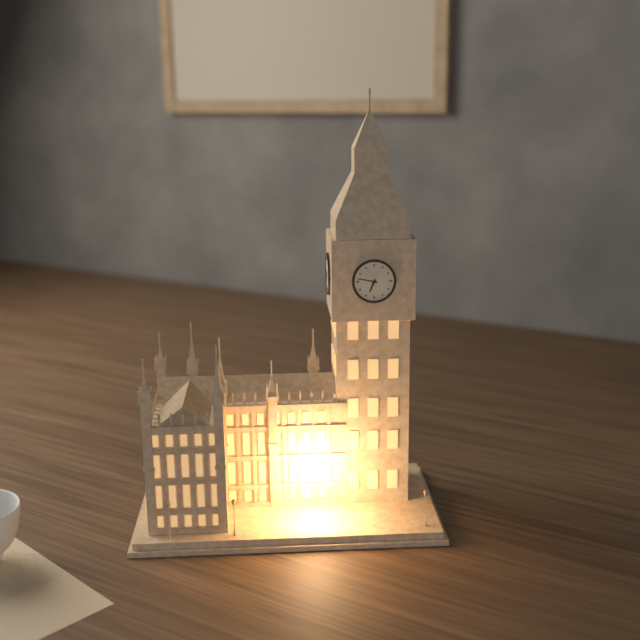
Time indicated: 6:47
